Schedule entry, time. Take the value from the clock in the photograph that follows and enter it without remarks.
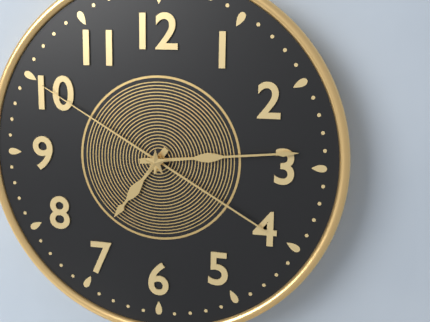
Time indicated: 7:14:50
